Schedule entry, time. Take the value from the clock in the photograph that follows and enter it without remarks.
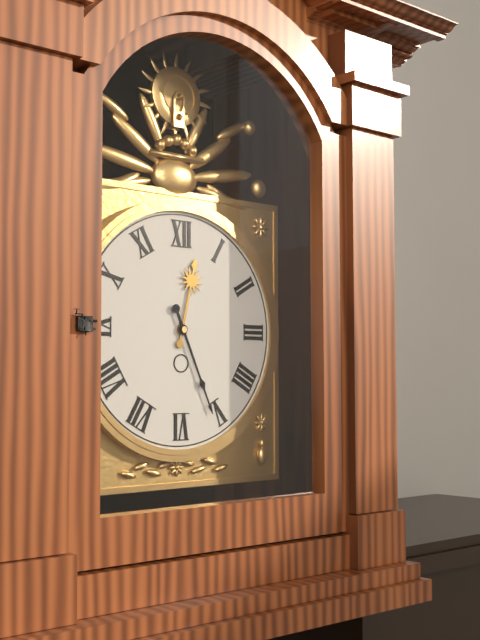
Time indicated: 12:26
